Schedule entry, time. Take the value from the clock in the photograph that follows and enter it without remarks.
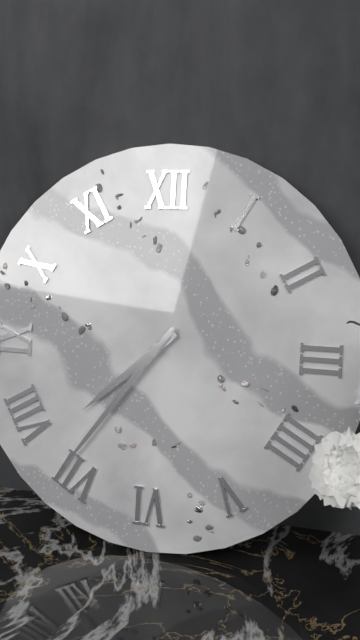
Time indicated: 7:36
